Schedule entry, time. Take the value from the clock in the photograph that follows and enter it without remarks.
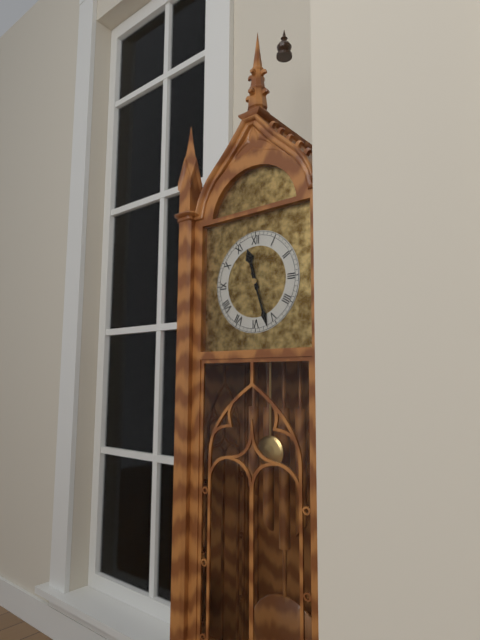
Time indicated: 11:27
